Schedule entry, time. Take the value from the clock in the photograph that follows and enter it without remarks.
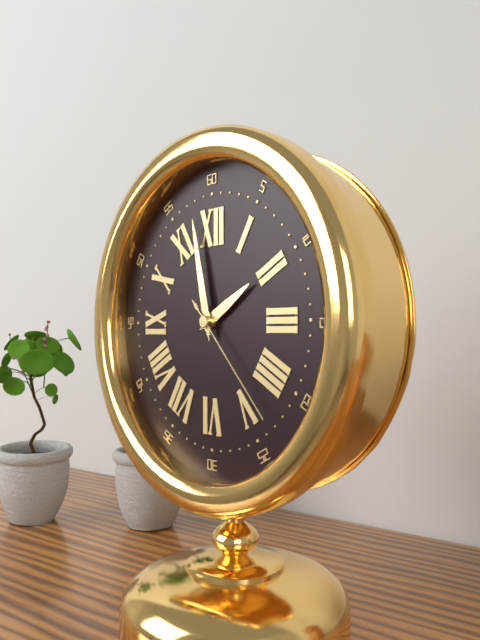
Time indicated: 1:58:23
